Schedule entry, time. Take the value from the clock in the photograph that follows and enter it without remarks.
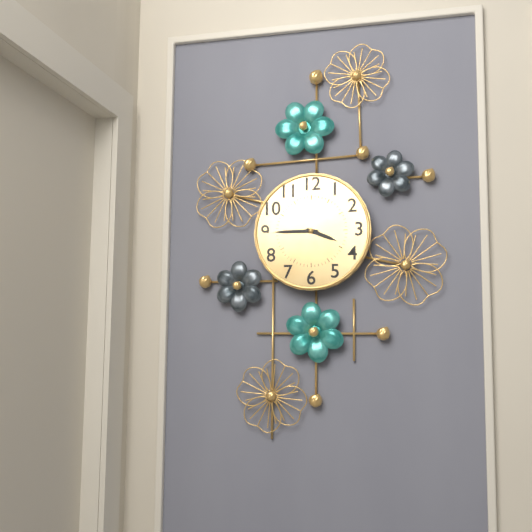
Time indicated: 3:45
